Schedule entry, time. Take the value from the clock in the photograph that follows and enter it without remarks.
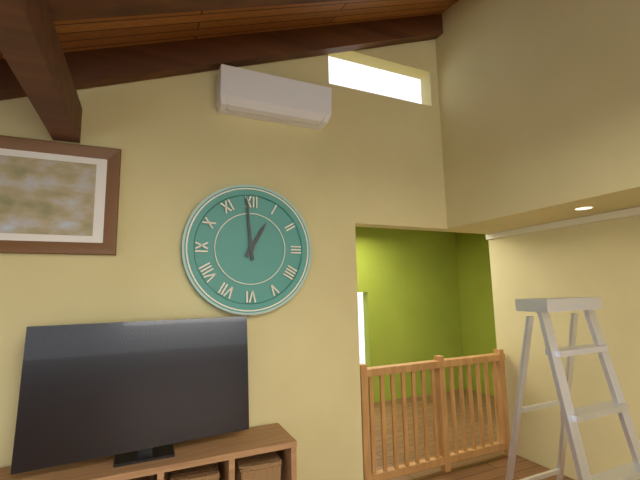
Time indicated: 12:59
